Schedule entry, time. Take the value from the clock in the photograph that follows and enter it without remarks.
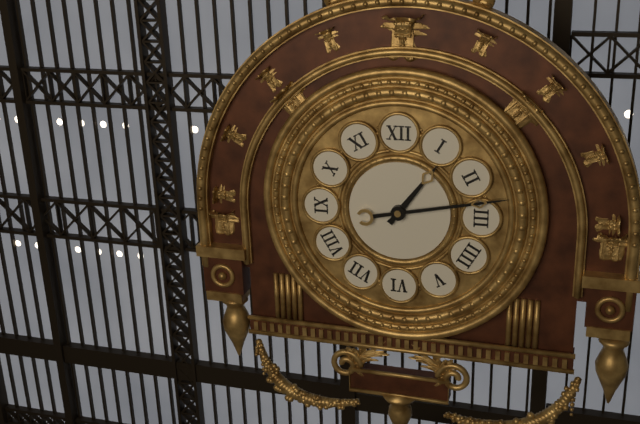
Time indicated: 1:13
